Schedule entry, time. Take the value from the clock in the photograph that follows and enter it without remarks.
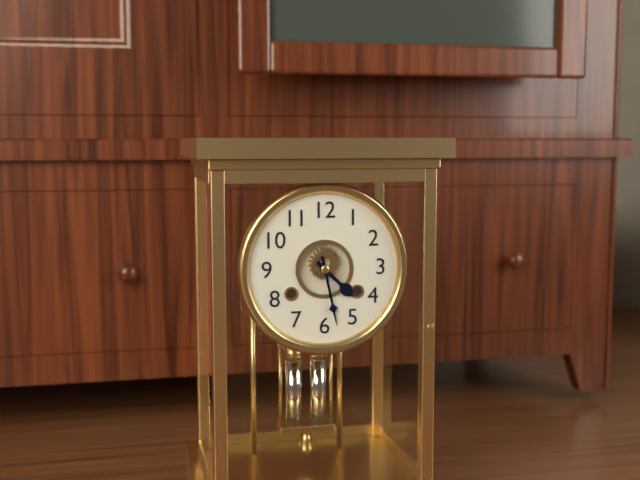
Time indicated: 4:28
